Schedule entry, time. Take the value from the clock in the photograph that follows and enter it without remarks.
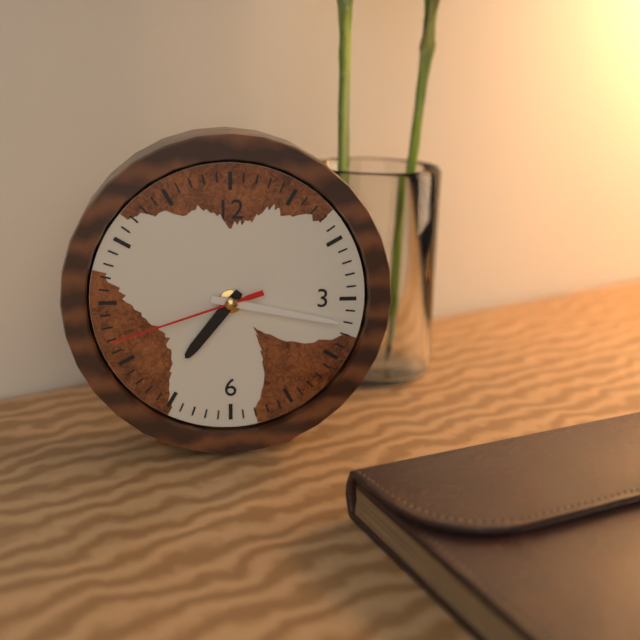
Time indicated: 7:17:42
